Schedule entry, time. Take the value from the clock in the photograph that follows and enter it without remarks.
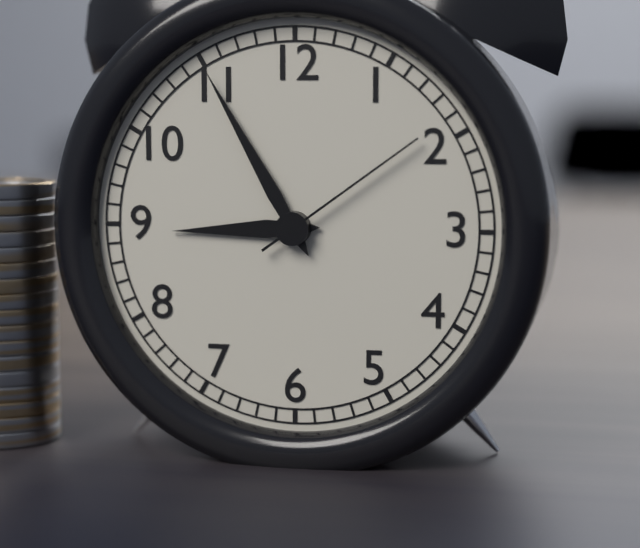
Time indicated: 8:55:09
